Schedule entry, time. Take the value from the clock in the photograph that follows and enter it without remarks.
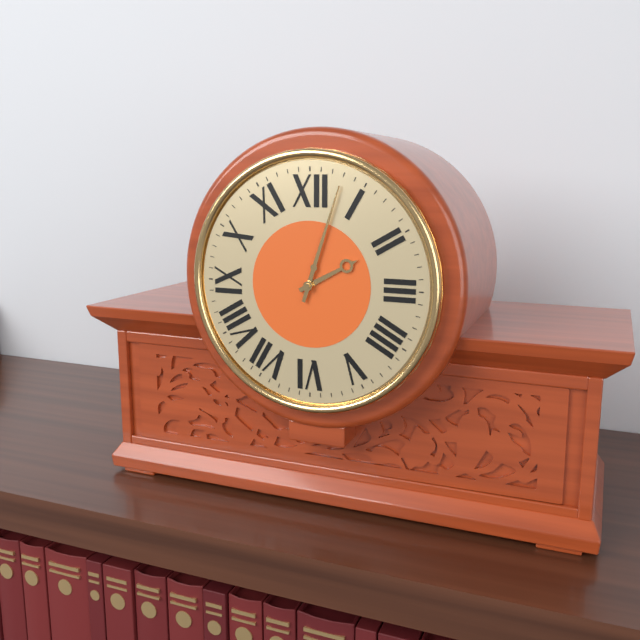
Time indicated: 2:03
